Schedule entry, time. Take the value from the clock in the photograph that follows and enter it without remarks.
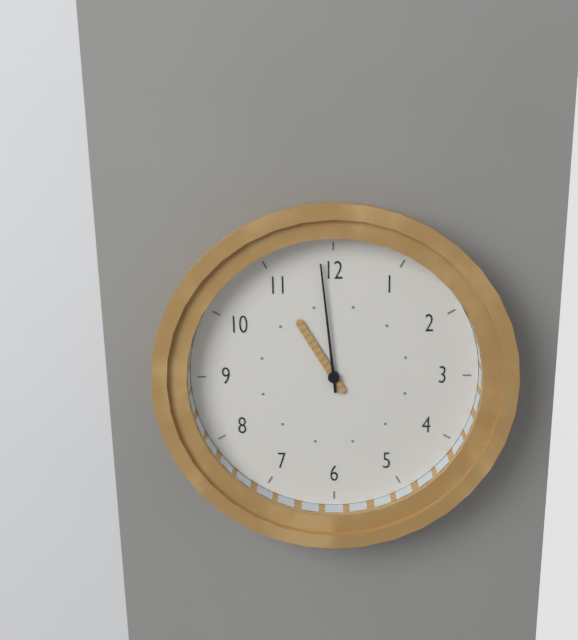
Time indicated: 10:59
